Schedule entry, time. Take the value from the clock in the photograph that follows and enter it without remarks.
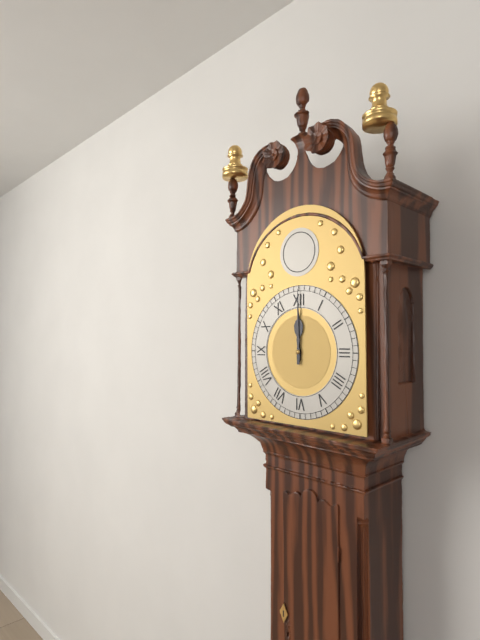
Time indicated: 12:00
